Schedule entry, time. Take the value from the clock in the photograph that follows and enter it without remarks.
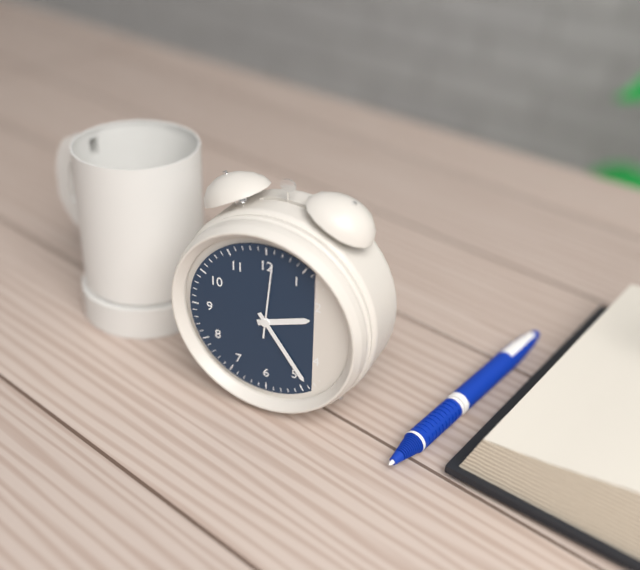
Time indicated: 2:24:01
